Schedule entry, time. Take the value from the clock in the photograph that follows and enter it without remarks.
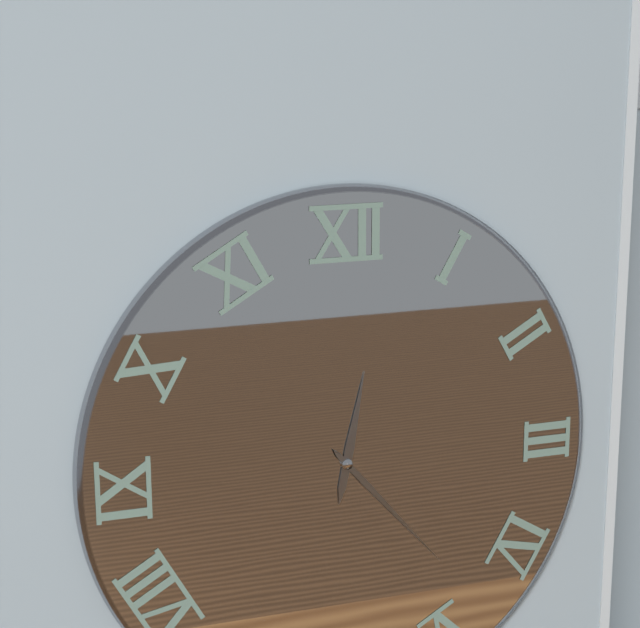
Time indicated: 12:23
